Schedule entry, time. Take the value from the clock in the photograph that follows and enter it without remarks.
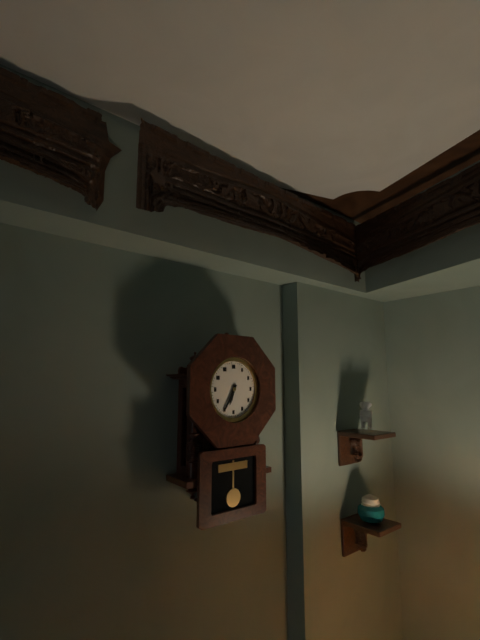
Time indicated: 6:35
